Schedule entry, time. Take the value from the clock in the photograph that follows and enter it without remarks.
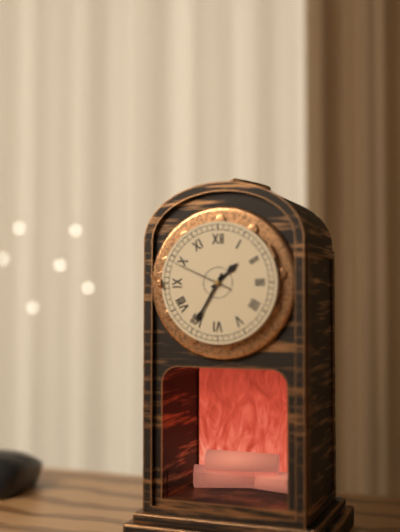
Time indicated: 1:35:49
